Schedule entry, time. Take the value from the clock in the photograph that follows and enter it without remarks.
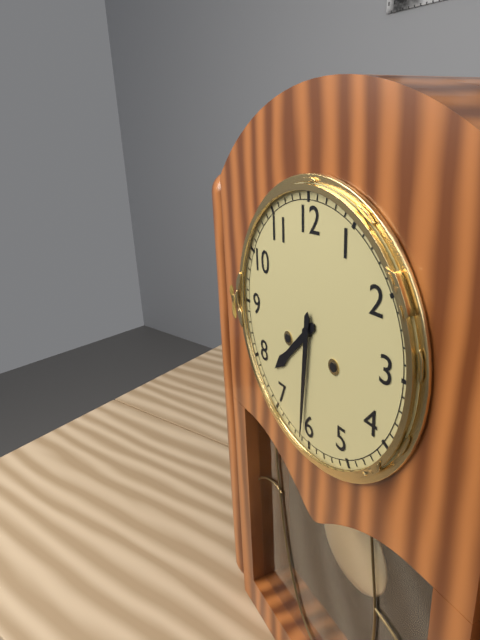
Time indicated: 7:31
